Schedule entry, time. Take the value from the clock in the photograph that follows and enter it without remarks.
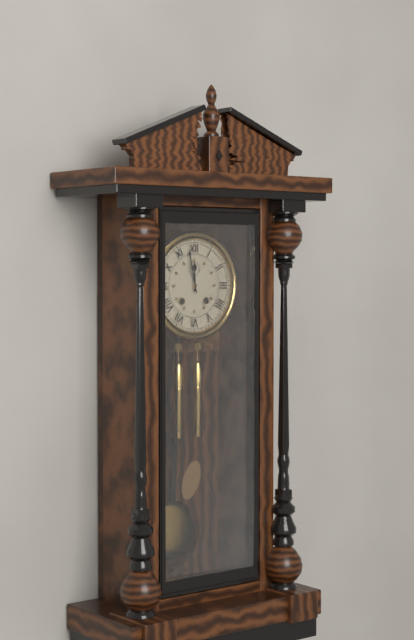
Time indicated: 11:58
